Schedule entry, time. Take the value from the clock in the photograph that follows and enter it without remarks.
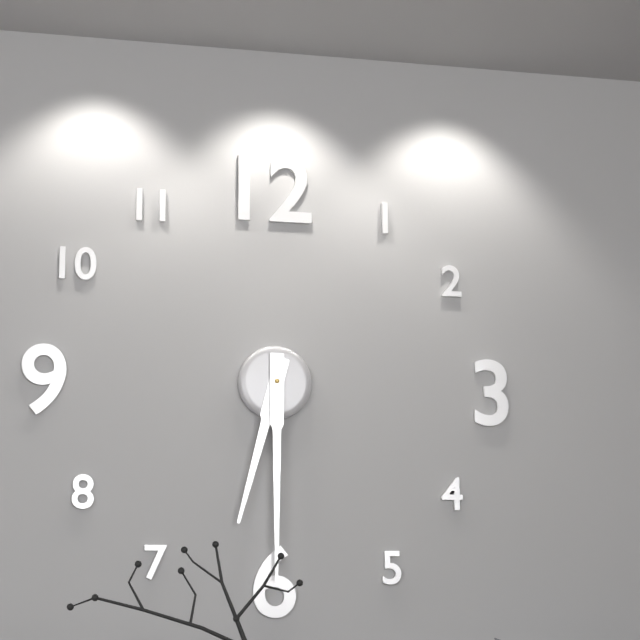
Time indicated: 6:30
